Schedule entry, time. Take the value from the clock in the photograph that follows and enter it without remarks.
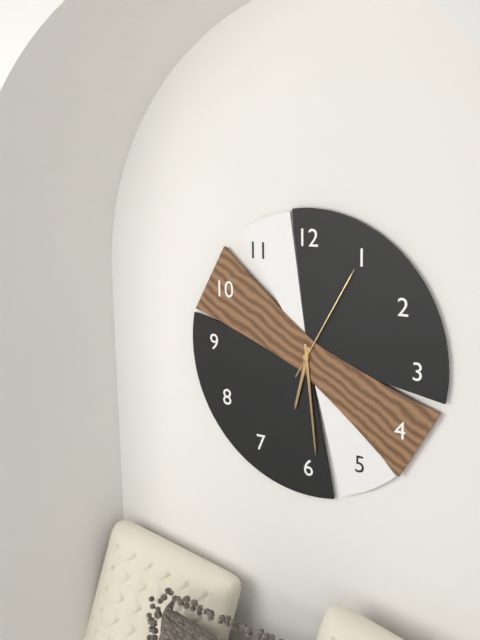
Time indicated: 6:29:05
